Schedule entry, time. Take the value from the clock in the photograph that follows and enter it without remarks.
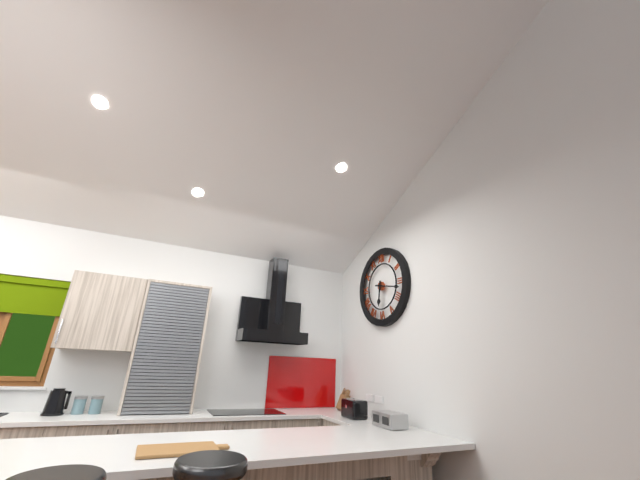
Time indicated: 6:17
